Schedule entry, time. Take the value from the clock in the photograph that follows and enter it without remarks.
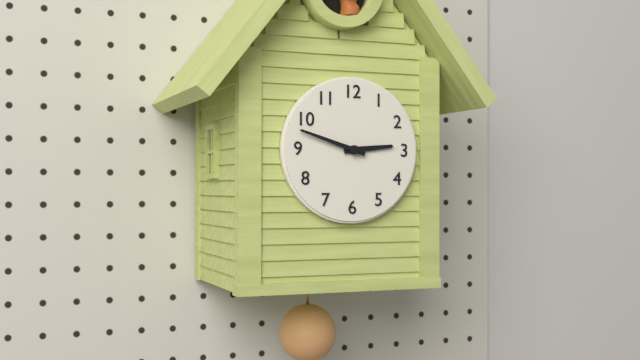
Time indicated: 2:48
